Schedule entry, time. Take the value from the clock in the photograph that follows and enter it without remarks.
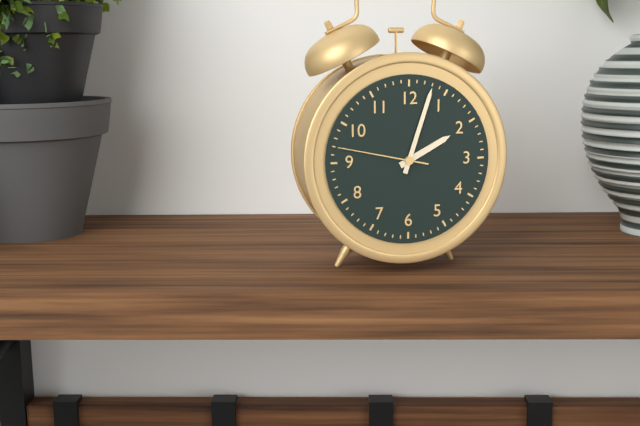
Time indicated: 2:03:47
